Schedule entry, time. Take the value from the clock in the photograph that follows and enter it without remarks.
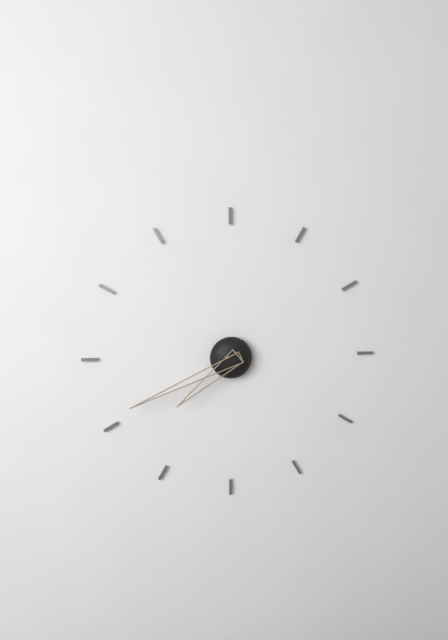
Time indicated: 7:41
